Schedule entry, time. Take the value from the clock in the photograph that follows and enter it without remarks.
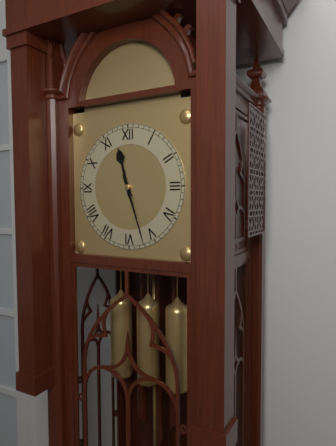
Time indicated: 11:27
